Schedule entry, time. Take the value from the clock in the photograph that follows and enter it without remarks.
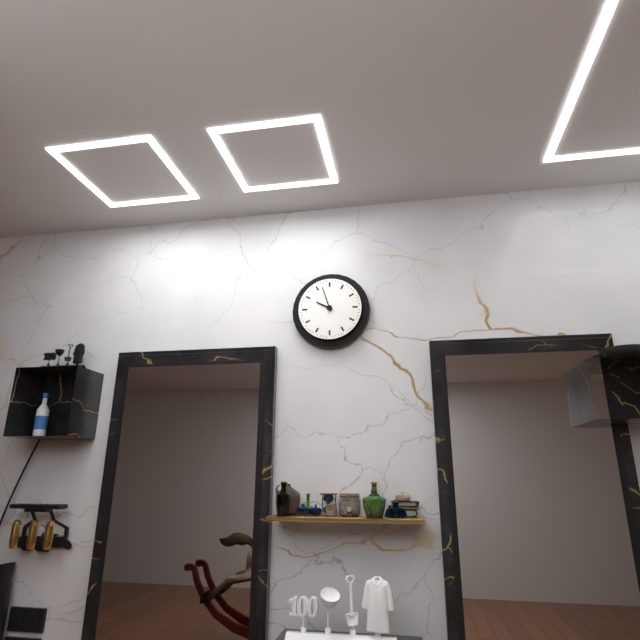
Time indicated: 9:57
